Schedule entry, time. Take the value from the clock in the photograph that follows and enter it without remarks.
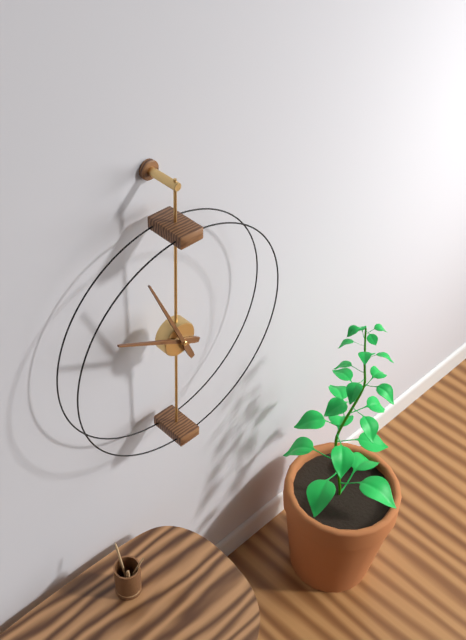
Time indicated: 9:56
